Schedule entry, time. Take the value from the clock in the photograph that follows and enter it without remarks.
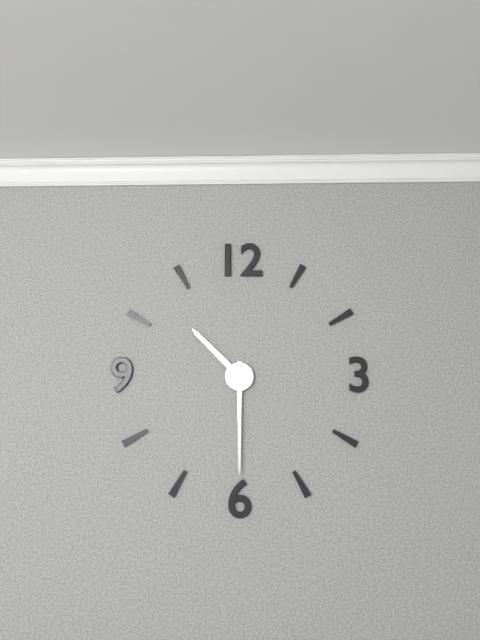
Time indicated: 10:30
